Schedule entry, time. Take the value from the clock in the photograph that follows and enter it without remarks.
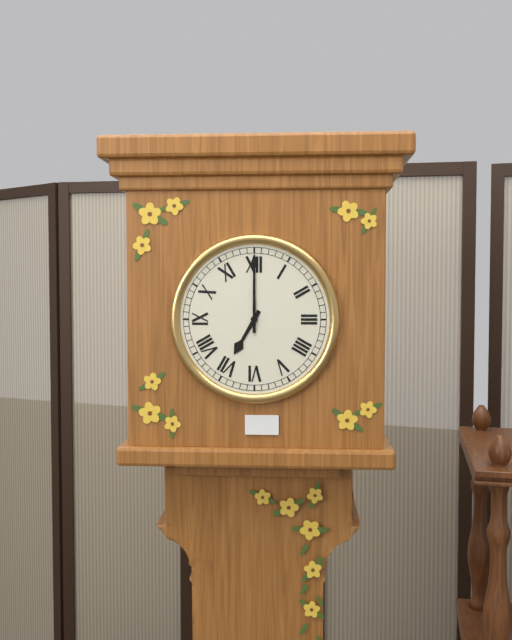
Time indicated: 7:00
